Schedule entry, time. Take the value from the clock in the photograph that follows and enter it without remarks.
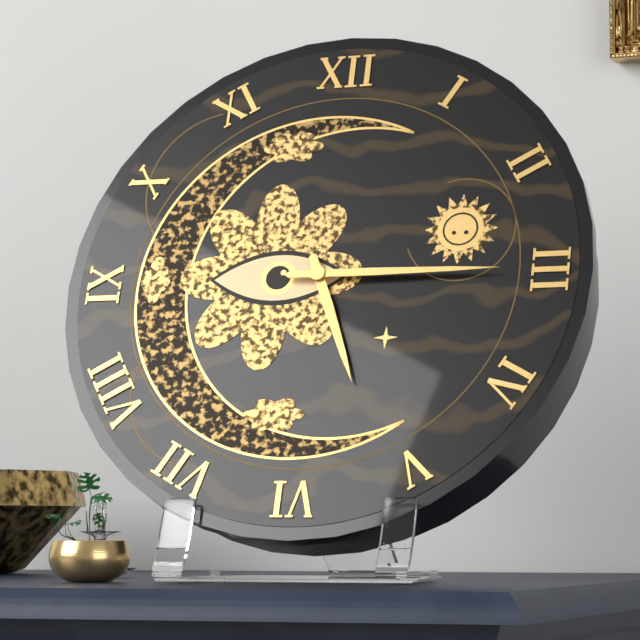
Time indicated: 5:15
